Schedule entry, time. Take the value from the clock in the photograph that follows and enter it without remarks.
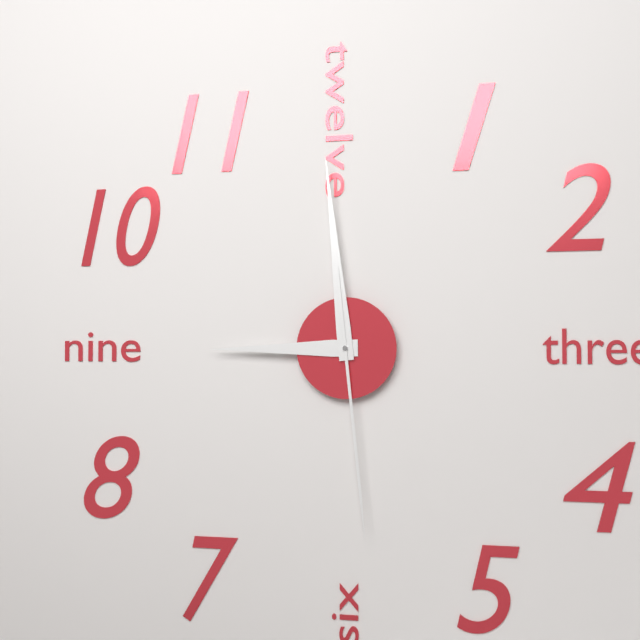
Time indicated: 8:59:29
